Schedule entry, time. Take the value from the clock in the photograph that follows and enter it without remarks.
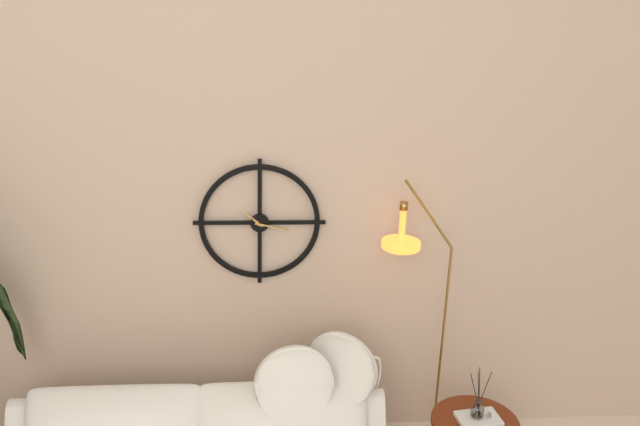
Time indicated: 10:17
